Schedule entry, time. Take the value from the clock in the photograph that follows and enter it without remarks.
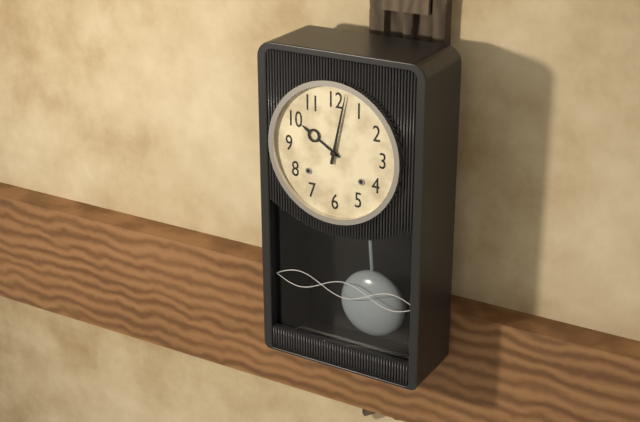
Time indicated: 10:02
